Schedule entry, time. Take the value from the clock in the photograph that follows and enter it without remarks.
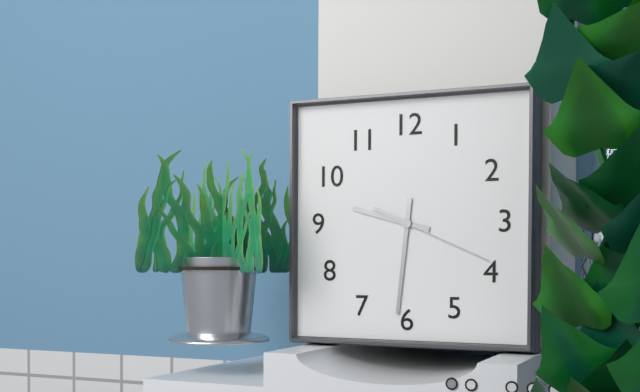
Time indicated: 9:31:19
